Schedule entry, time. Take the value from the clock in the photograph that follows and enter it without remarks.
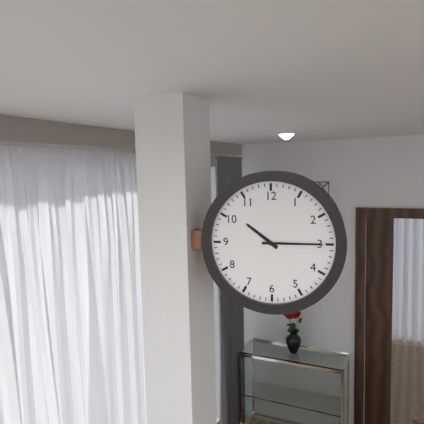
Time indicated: 10:15
